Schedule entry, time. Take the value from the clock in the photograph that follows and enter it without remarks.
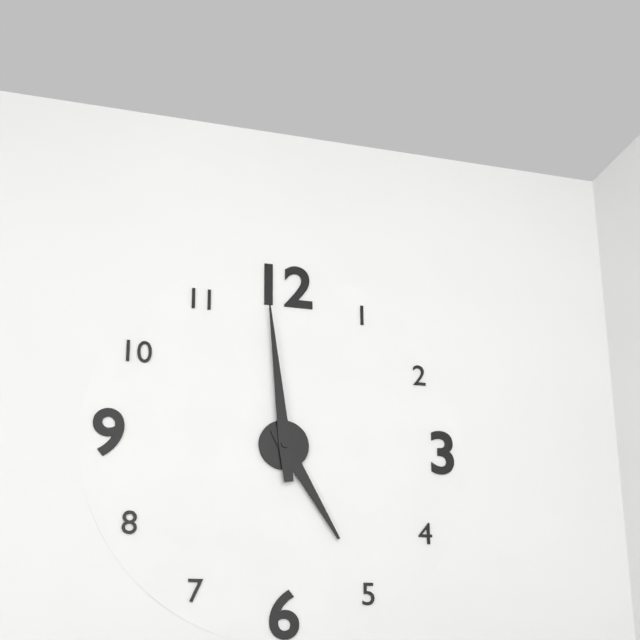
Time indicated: 4:59
